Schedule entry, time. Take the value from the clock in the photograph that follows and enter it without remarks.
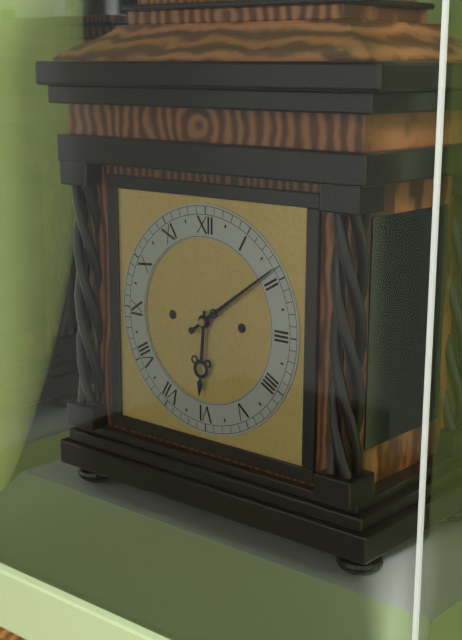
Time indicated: 6:09
